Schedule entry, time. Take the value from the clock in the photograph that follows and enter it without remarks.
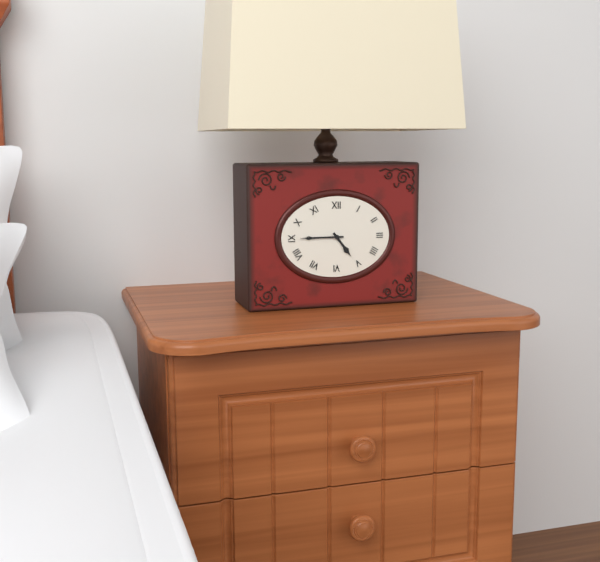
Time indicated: 4:45
